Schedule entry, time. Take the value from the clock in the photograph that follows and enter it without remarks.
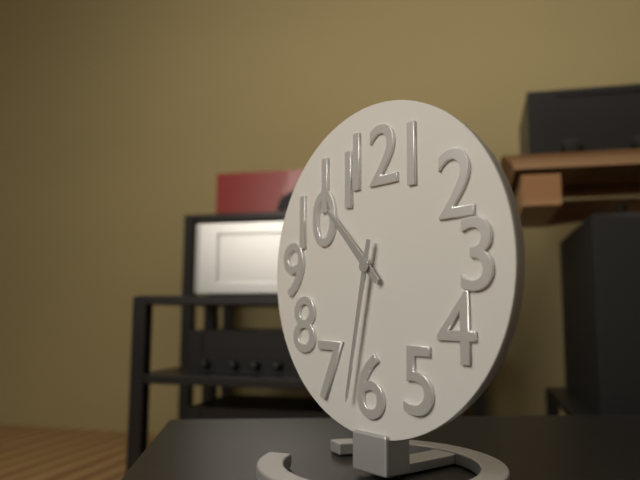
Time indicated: 10:32
